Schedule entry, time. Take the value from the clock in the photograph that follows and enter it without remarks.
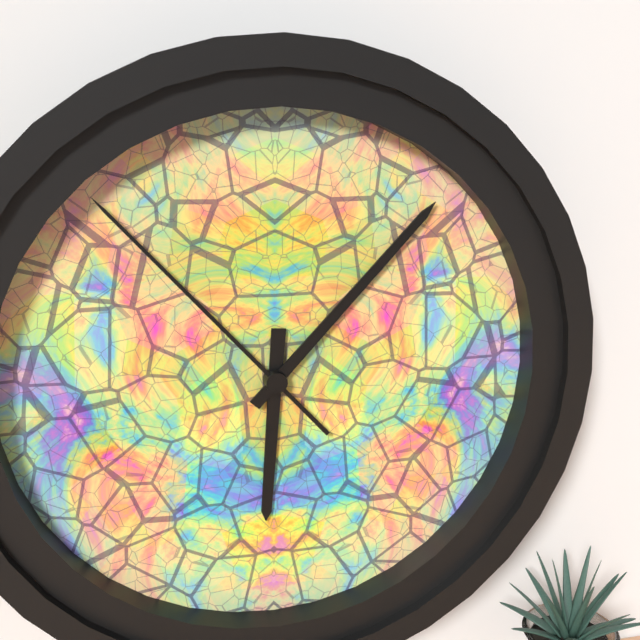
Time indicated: 6:07:53
